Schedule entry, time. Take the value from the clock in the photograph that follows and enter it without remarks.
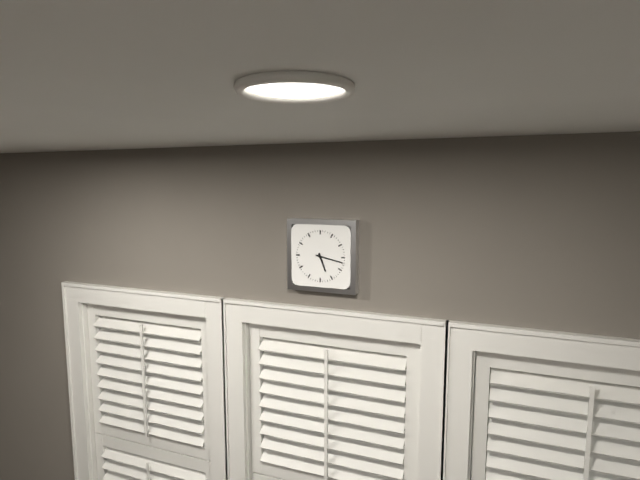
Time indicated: 5:17
